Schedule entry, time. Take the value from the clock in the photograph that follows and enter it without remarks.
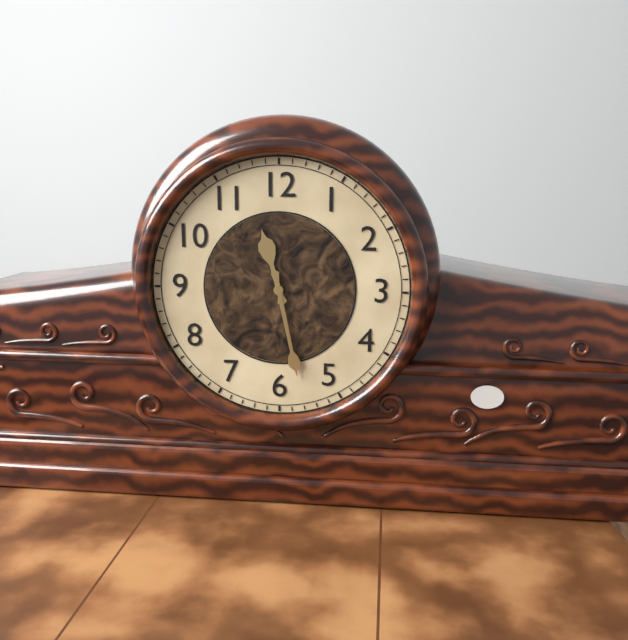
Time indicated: 11:28
